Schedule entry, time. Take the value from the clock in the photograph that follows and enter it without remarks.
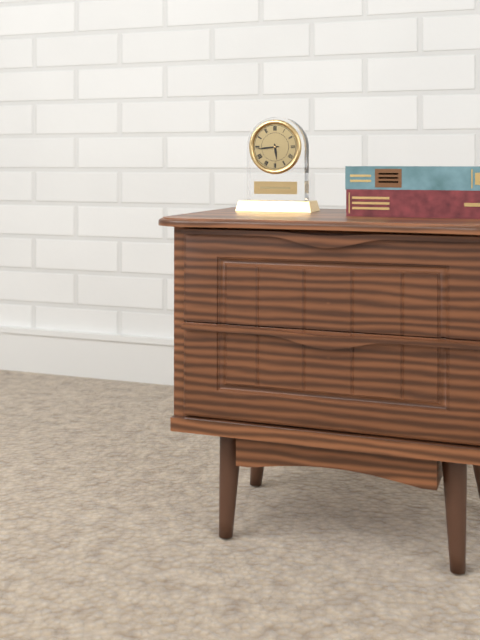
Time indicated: 5:44
